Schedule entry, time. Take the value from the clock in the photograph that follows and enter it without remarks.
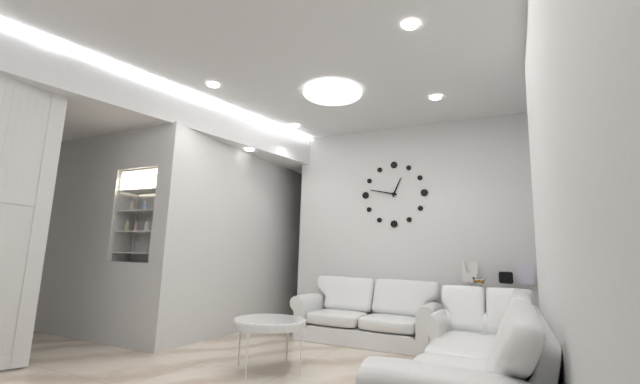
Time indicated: 12:47
